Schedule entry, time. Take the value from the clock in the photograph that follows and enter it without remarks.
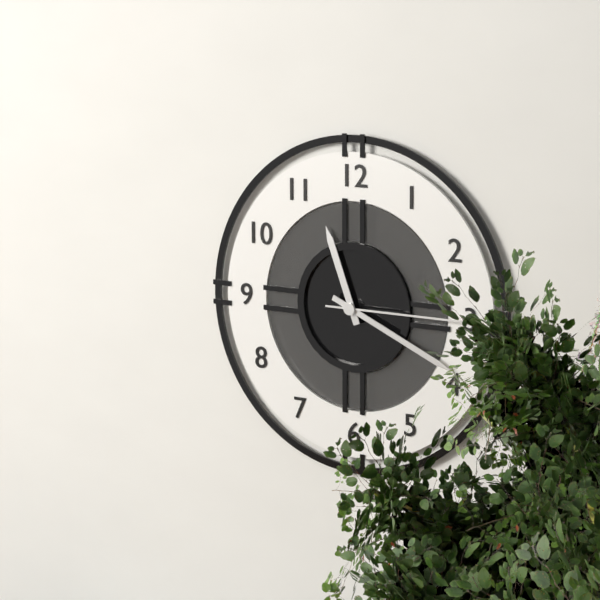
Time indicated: 11:19:15
